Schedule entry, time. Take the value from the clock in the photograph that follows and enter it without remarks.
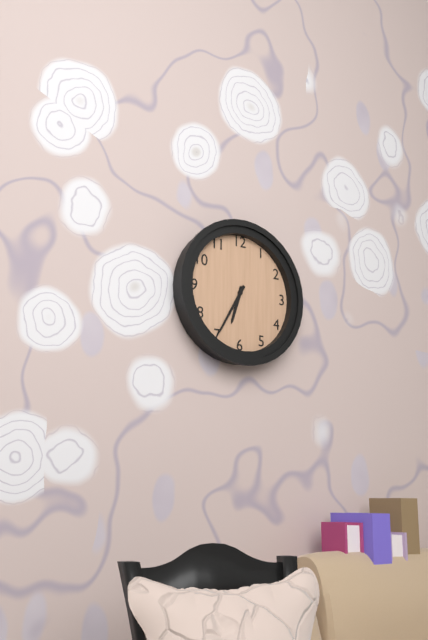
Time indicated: 6:35
